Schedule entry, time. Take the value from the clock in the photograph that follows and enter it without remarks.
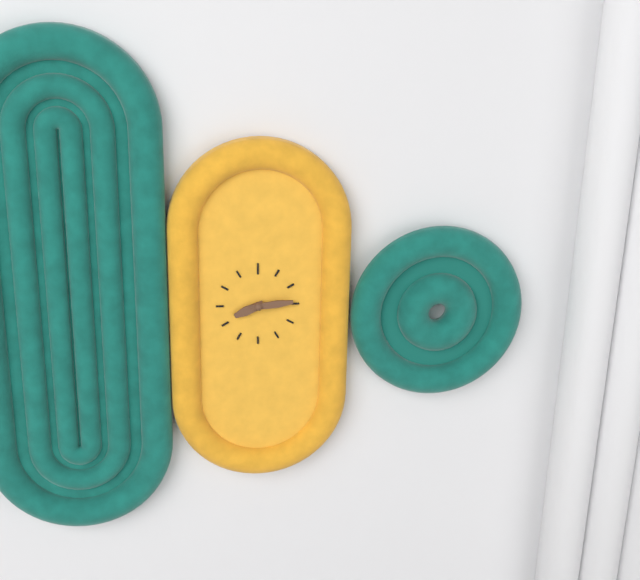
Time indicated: 8:14
